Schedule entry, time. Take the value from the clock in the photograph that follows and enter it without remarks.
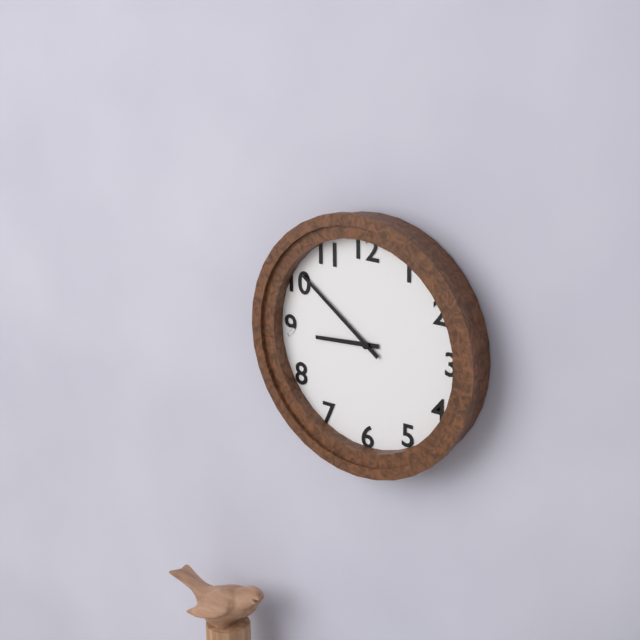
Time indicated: 8:51
